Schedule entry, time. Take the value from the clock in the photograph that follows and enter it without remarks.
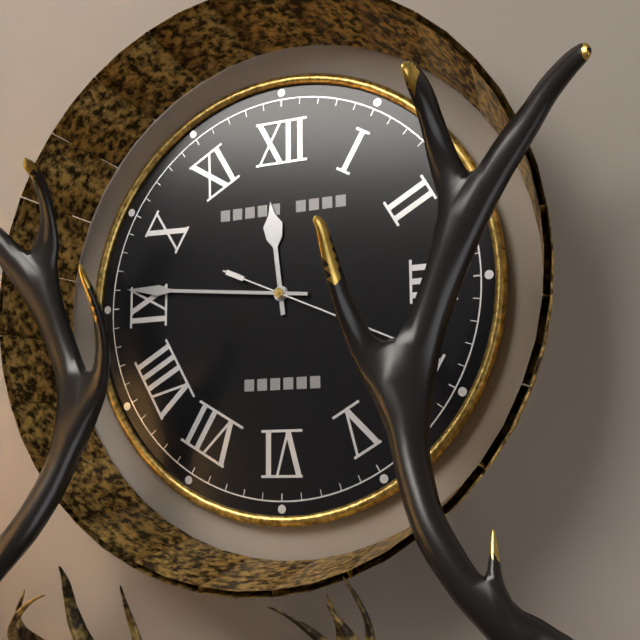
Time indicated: 11:46
